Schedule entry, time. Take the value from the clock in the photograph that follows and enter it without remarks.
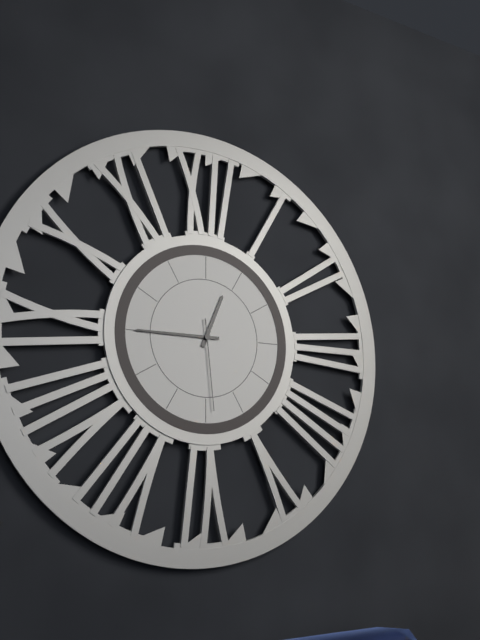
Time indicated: 12:45:29
